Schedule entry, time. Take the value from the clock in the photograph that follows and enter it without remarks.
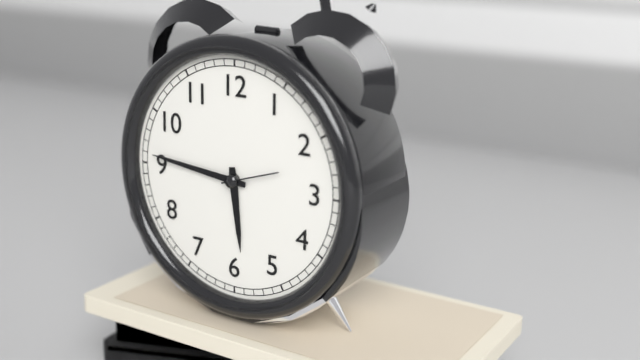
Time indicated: 5:46:12
